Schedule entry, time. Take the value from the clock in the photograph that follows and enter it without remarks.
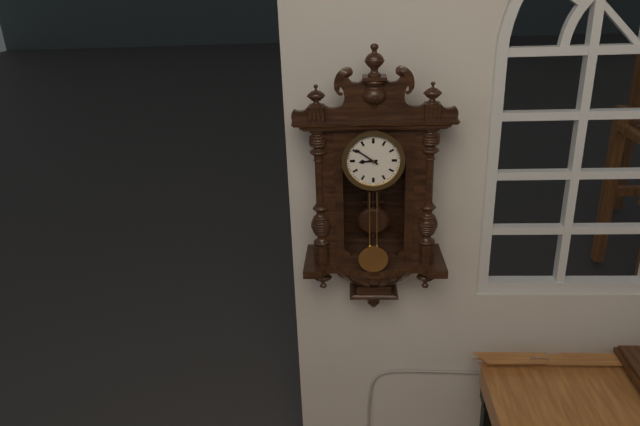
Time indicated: 8:51
